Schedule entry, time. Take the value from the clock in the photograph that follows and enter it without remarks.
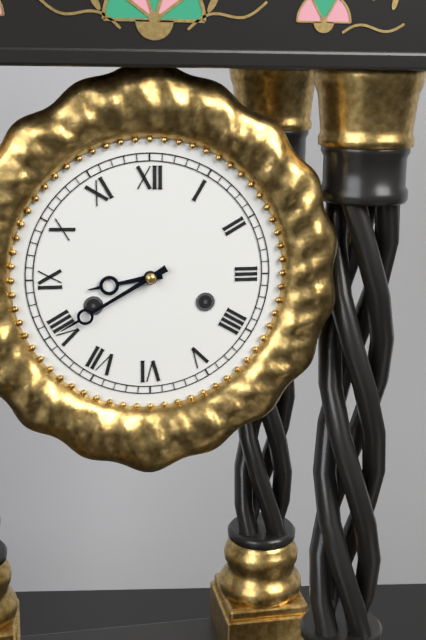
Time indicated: 8:40
